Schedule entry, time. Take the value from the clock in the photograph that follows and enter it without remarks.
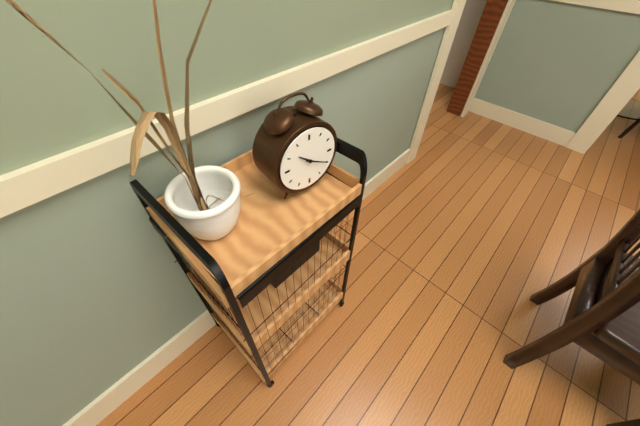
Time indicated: 10:20
